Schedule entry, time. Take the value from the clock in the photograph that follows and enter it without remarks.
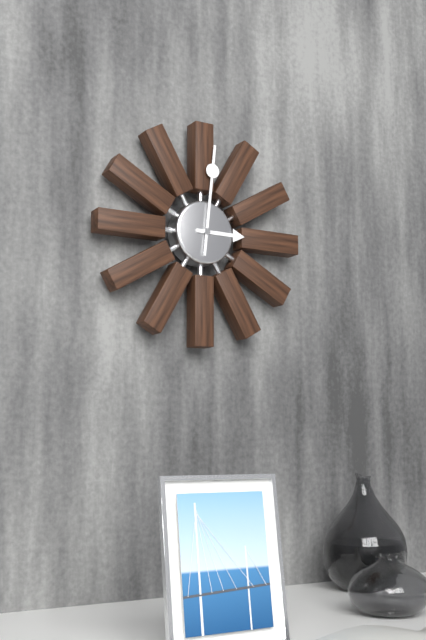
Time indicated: 3:01
